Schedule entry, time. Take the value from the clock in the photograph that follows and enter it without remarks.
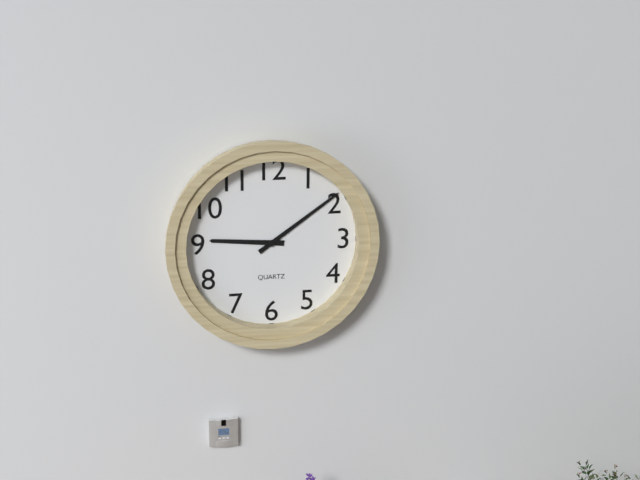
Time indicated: 9:09
